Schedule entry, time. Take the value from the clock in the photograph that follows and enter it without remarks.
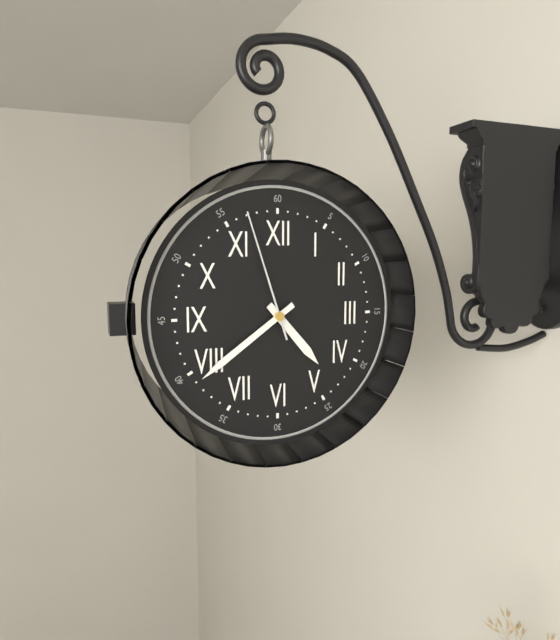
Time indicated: 4:39:57
